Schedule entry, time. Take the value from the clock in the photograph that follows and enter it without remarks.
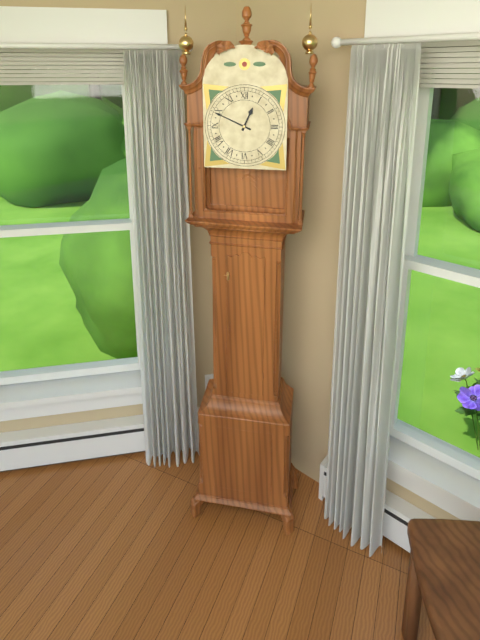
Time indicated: 12:49
